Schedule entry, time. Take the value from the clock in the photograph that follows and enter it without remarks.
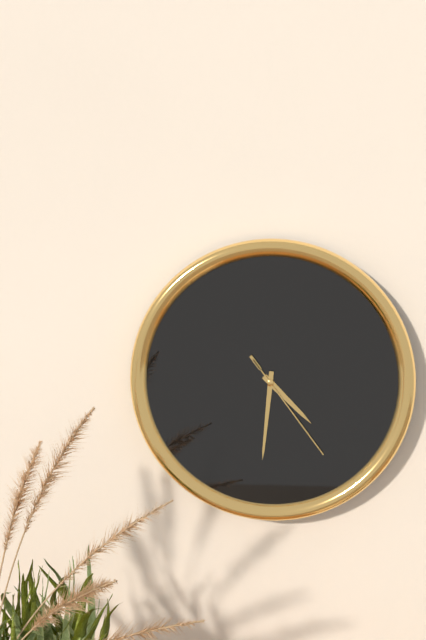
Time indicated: 4:31:24
